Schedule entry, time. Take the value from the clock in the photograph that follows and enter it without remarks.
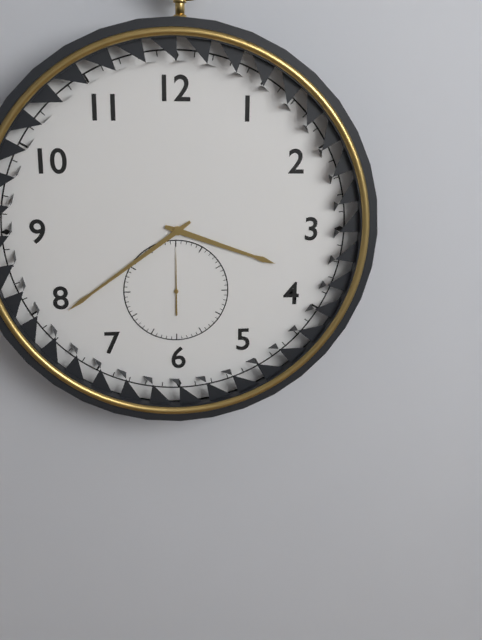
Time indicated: 3:39:00
